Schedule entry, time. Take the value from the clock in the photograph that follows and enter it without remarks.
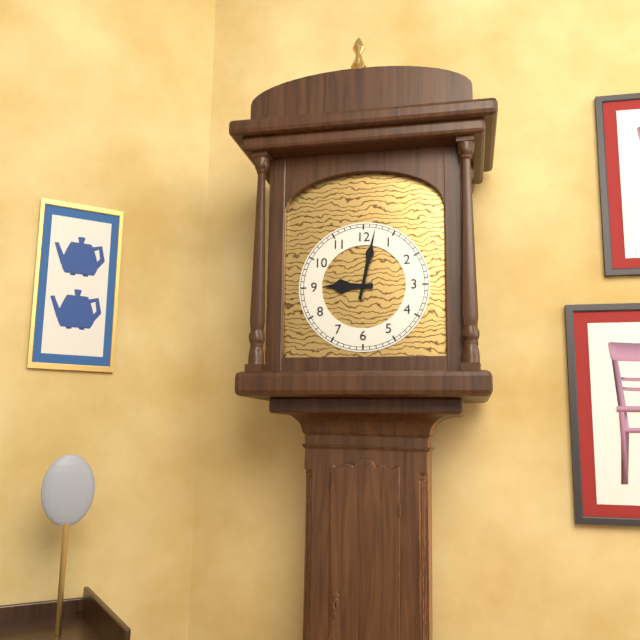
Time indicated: 9:02
